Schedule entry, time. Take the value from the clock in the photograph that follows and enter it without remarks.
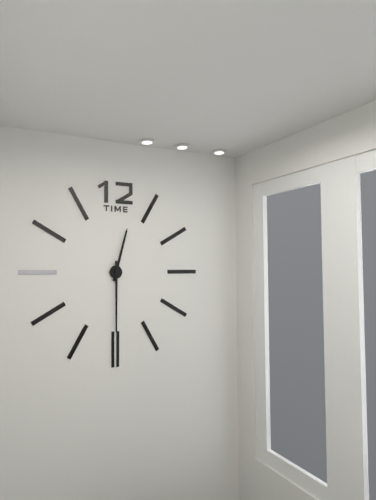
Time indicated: 12:30
